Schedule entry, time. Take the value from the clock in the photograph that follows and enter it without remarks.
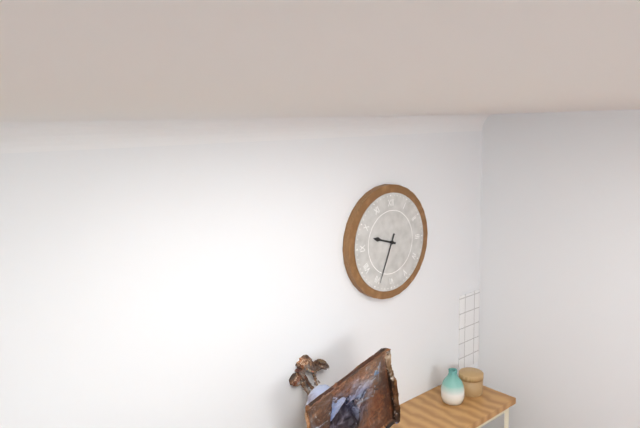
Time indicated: 9:34
